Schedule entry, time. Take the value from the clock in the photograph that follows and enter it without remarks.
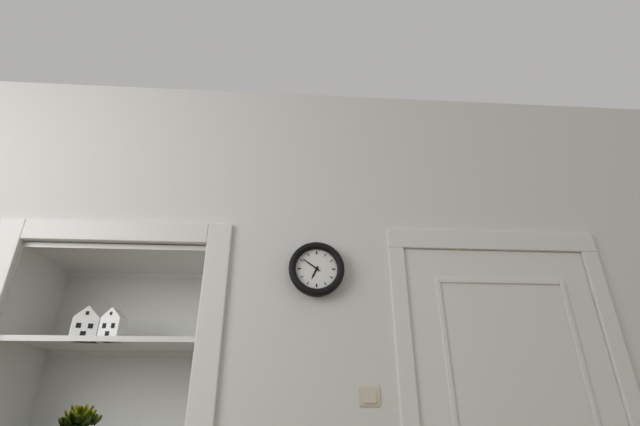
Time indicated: 6:51
